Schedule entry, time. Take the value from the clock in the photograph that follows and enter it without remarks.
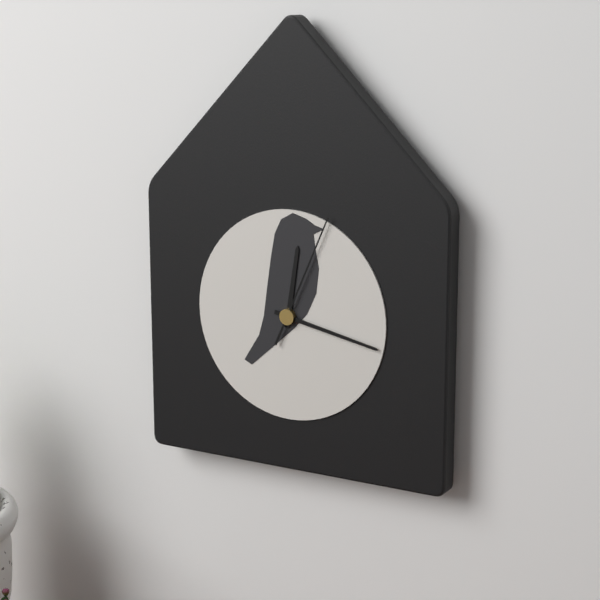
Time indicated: 12:17:04
